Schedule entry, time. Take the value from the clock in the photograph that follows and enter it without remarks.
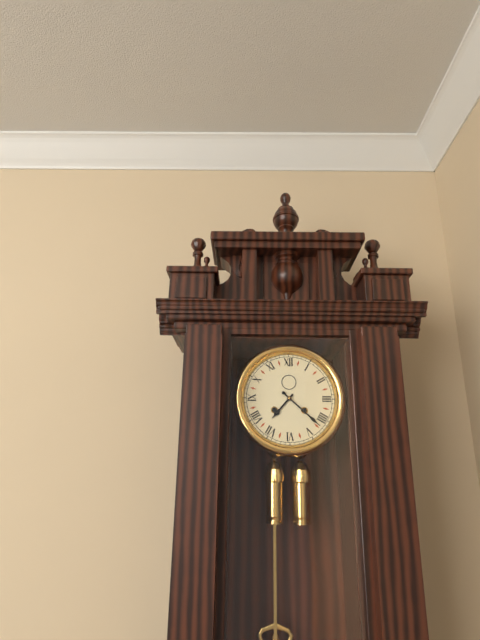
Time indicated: 7:22
